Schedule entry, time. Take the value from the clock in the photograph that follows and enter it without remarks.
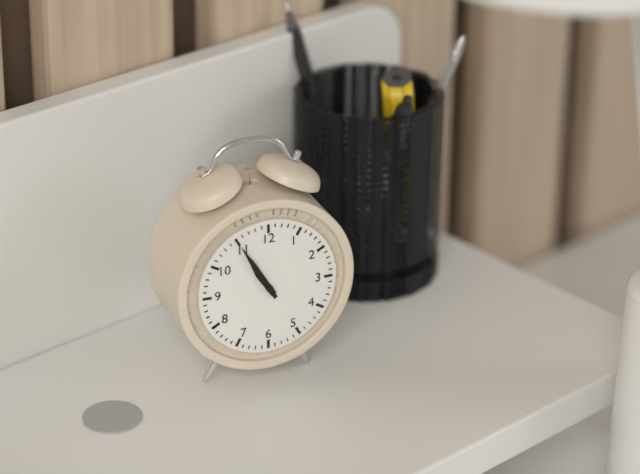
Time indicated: 10:55
